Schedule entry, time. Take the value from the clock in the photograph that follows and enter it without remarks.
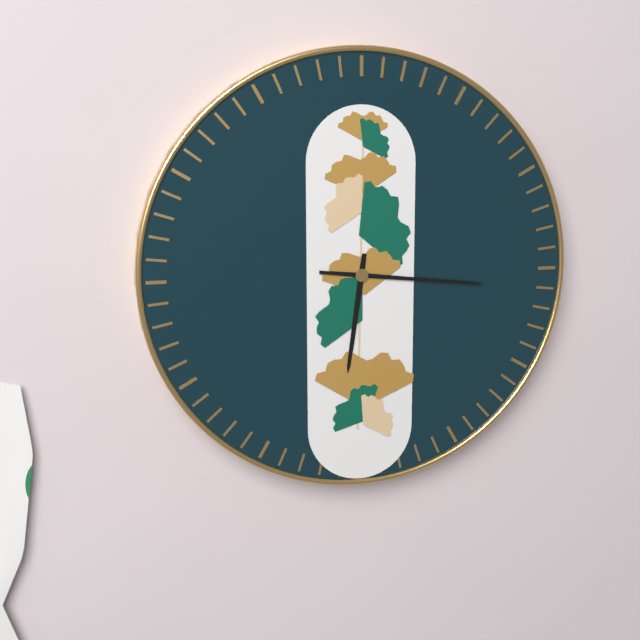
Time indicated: 6:16
